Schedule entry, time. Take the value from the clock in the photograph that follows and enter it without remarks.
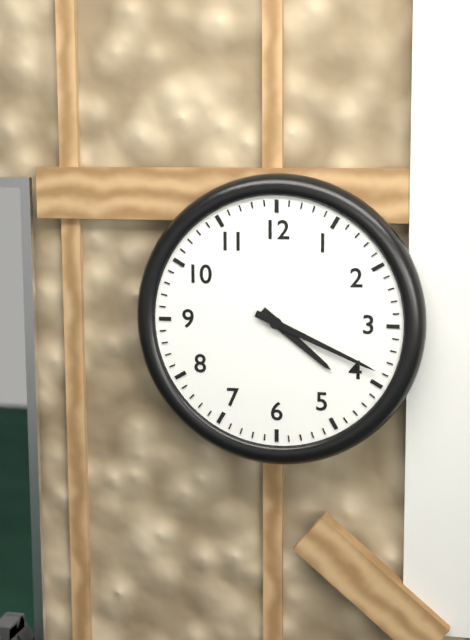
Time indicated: 4:19
